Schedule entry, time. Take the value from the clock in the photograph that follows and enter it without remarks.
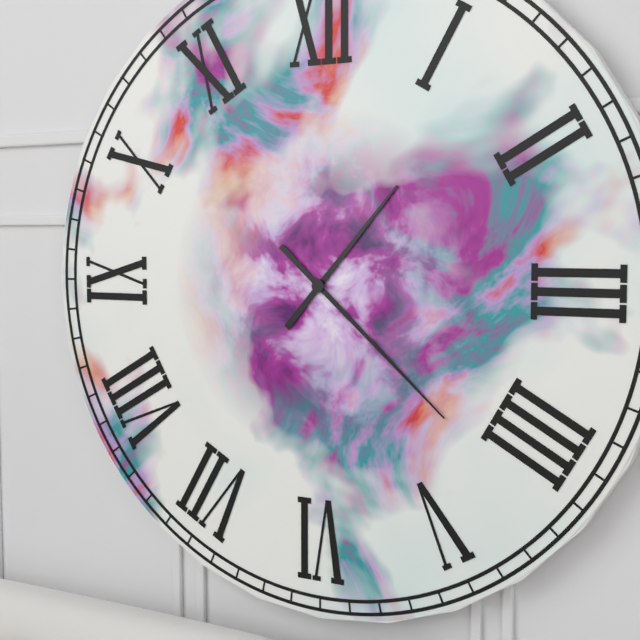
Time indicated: 1:22
